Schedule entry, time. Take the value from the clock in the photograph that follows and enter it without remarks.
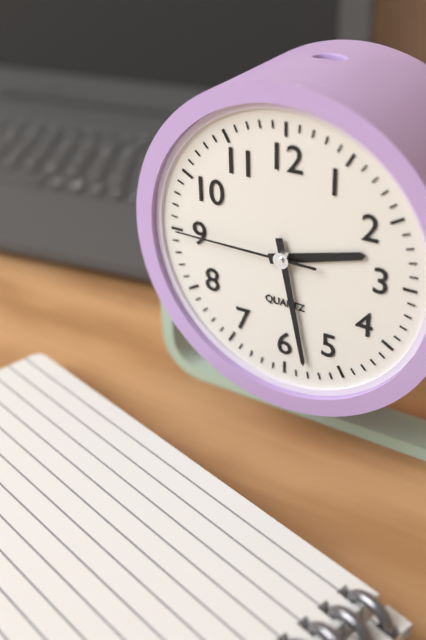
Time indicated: 2:28:45
